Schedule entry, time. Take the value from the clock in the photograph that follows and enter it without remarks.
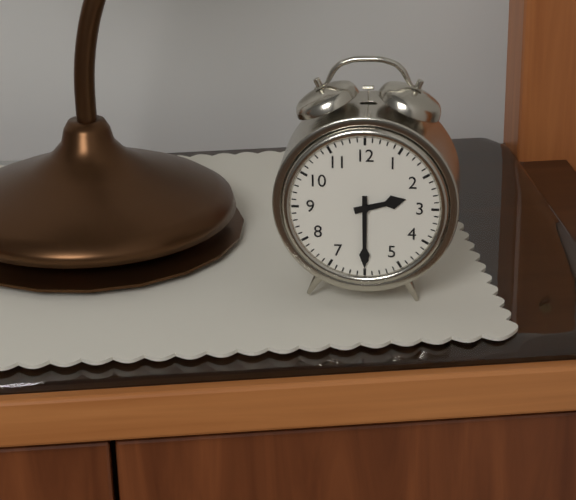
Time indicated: 2:30
